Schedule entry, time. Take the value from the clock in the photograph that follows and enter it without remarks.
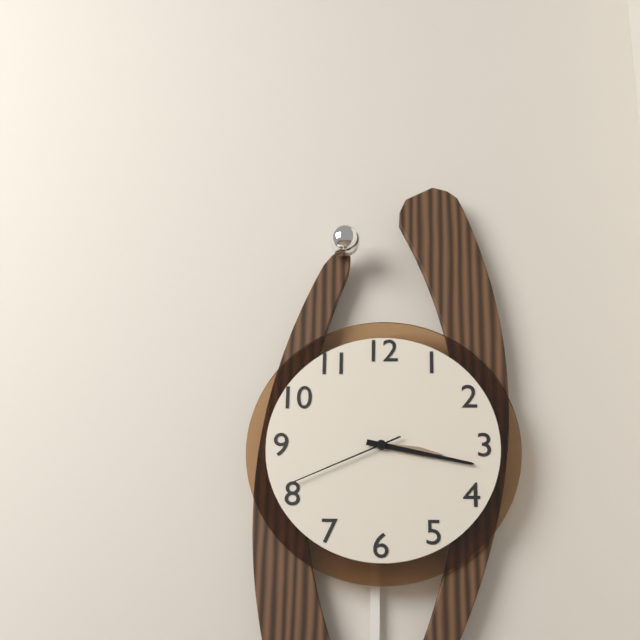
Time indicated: 3:17:41
